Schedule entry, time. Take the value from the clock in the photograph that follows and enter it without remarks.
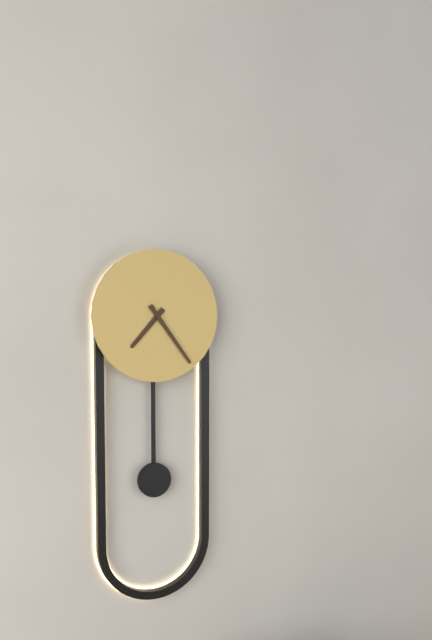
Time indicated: 7:24
